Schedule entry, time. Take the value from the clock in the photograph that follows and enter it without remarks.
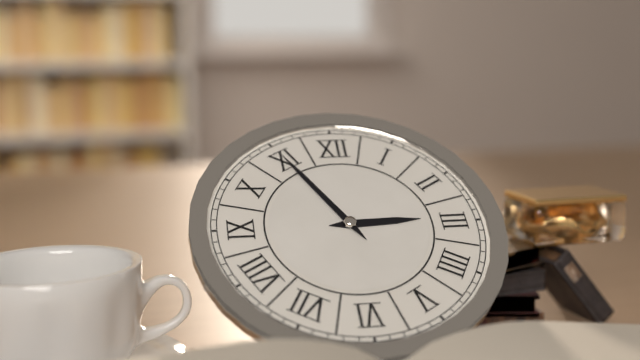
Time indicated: 2:55
